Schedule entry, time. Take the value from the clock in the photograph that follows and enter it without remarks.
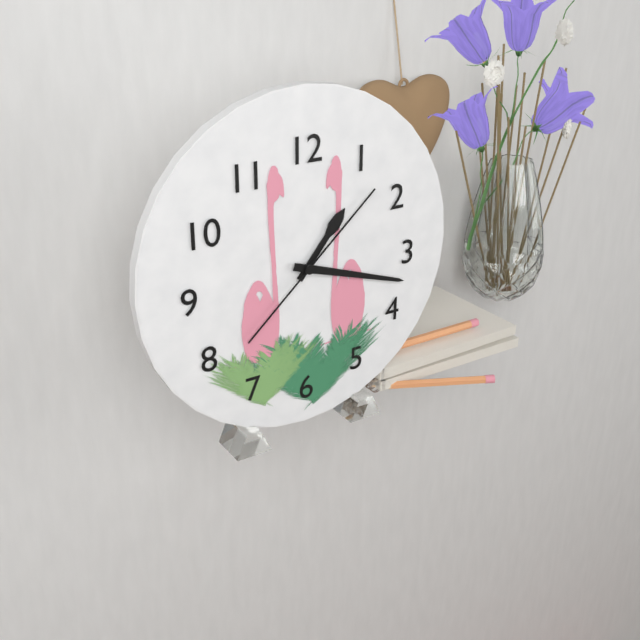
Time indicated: 1:18:08
